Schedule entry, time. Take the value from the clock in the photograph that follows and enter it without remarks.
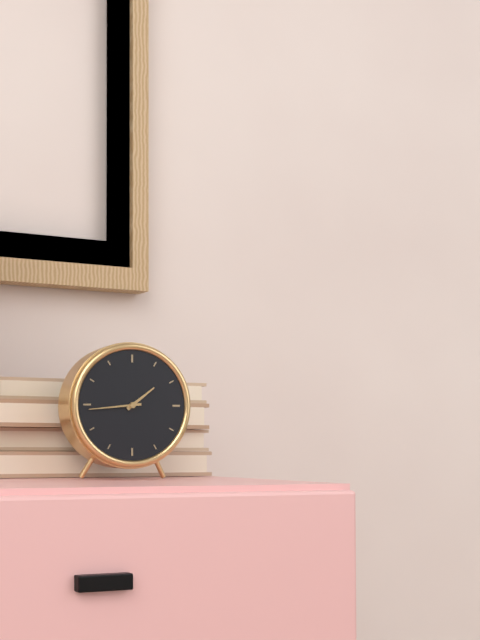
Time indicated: 1:44
